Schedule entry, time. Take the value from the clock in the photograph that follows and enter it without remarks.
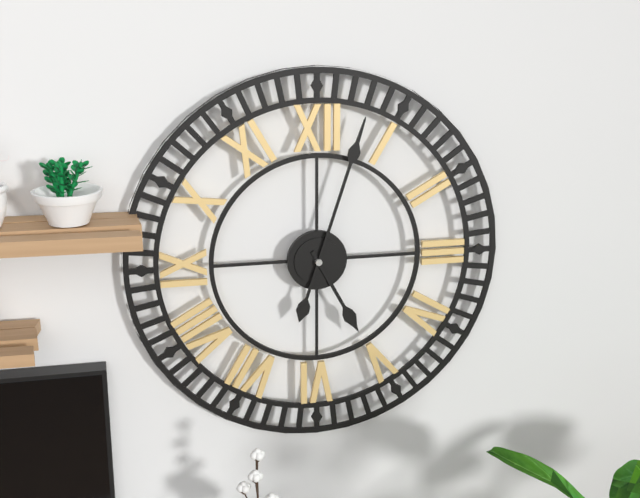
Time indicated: 5:03
